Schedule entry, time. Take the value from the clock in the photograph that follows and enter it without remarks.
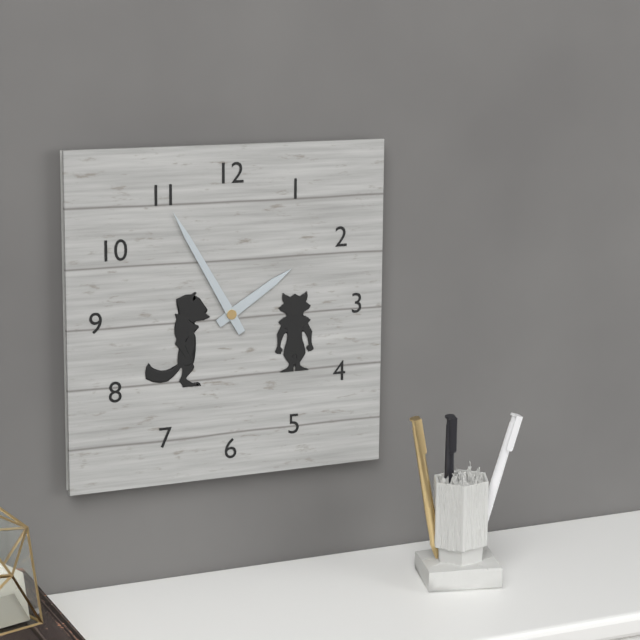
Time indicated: 1:55
